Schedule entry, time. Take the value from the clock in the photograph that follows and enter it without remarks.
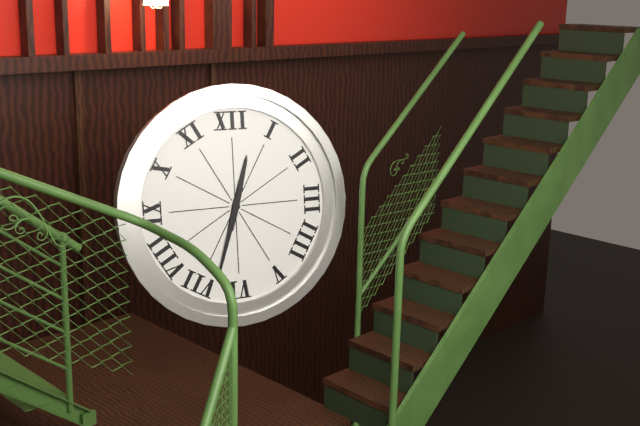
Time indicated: 12:33
